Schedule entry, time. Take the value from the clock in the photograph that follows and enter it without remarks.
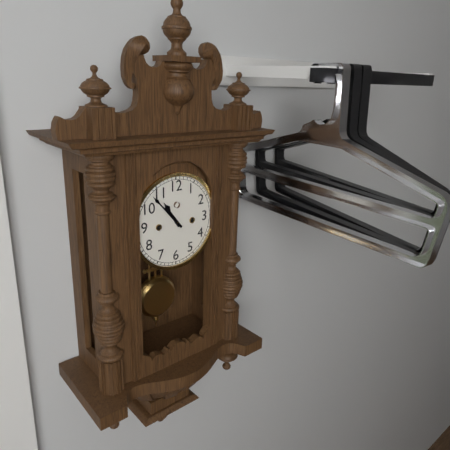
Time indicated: 10:53
